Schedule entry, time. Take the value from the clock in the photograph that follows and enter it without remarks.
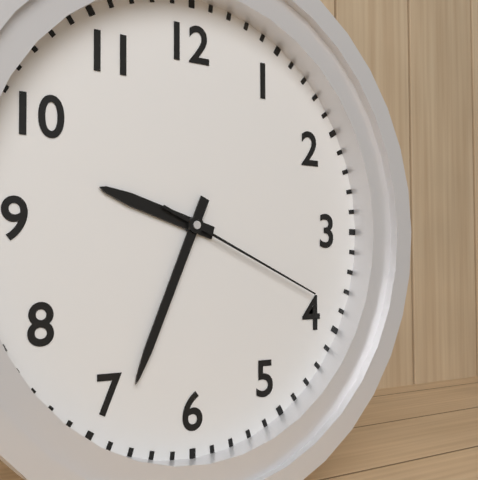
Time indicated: 9:34:19
